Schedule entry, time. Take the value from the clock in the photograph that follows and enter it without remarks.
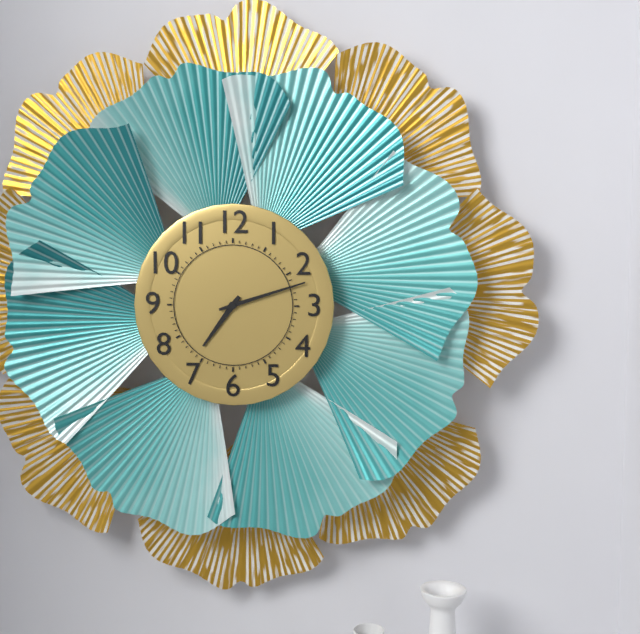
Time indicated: 7:12
